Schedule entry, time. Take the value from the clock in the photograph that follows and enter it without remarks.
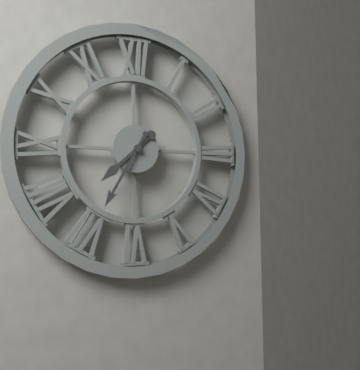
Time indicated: 7:35
